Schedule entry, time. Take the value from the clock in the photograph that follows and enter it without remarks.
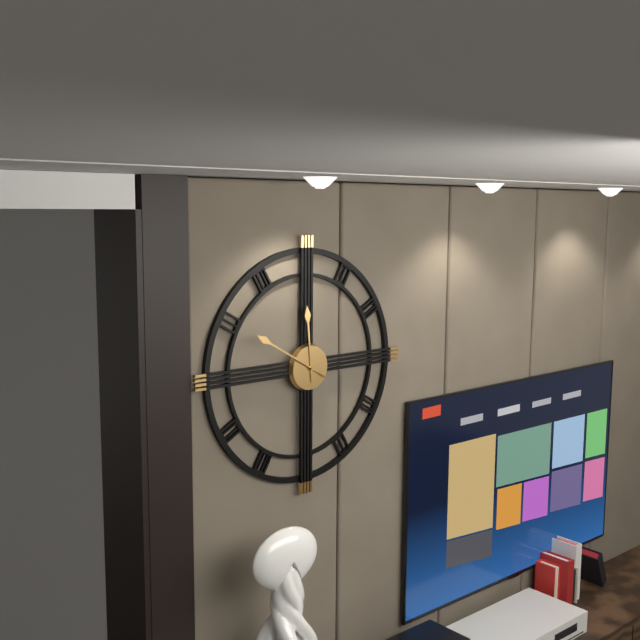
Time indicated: 11:50
